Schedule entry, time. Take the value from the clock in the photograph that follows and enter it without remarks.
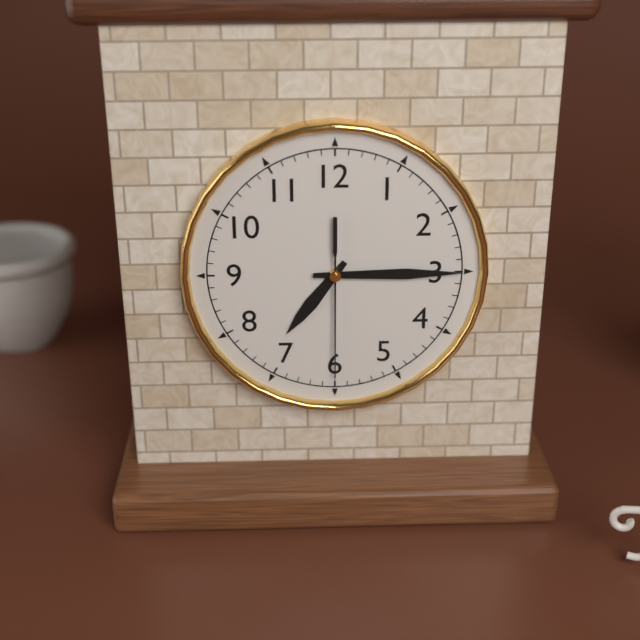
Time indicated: 7:15:30
